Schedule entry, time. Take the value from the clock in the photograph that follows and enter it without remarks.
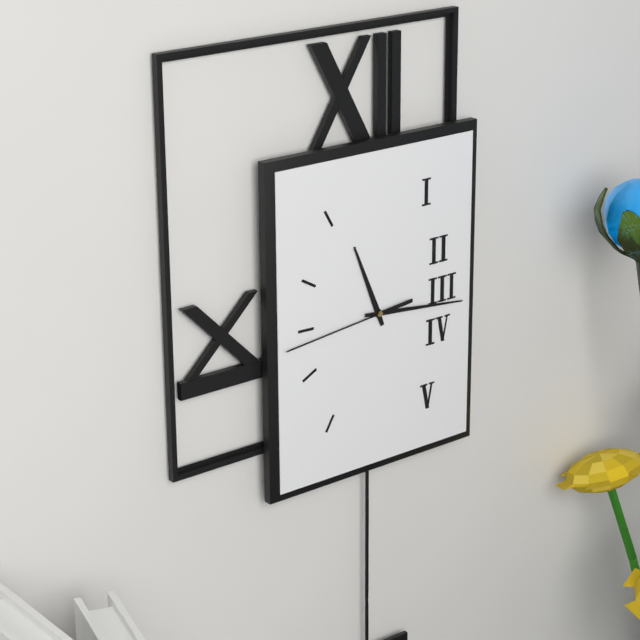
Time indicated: 11:16:44
